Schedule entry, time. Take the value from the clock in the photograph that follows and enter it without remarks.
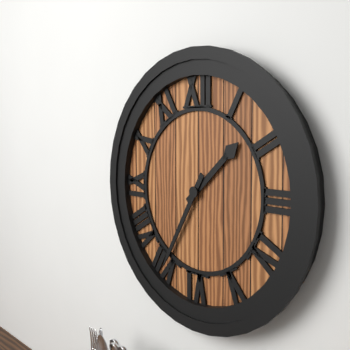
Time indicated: 1:35
